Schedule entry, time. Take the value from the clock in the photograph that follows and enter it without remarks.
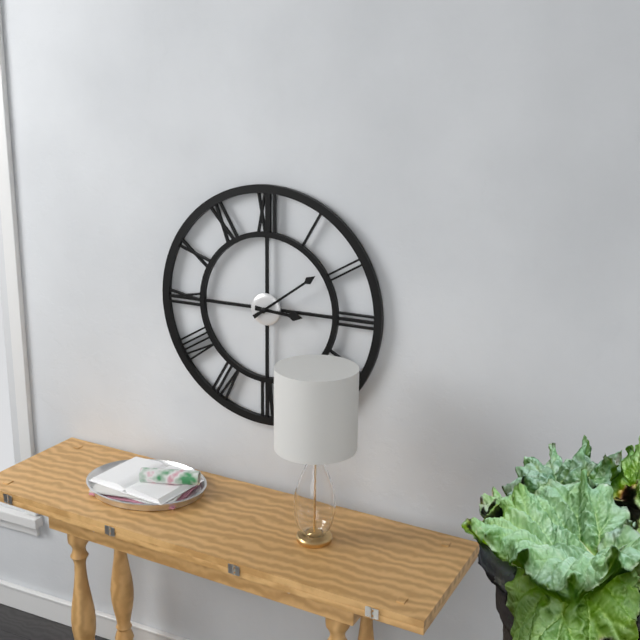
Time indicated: 3:09
